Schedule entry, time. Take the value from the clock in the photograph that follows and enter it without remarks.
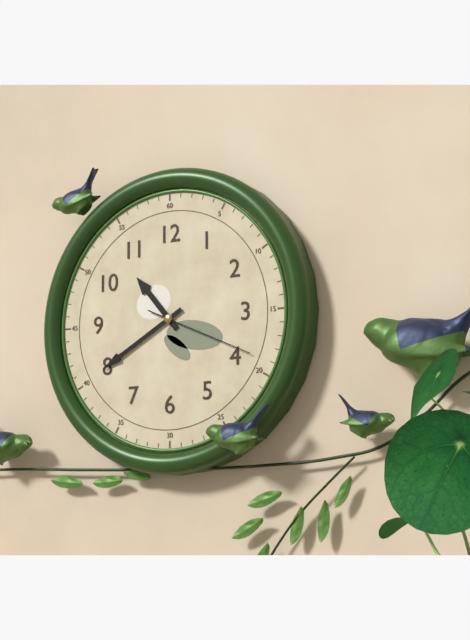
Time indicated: 10:40:19
